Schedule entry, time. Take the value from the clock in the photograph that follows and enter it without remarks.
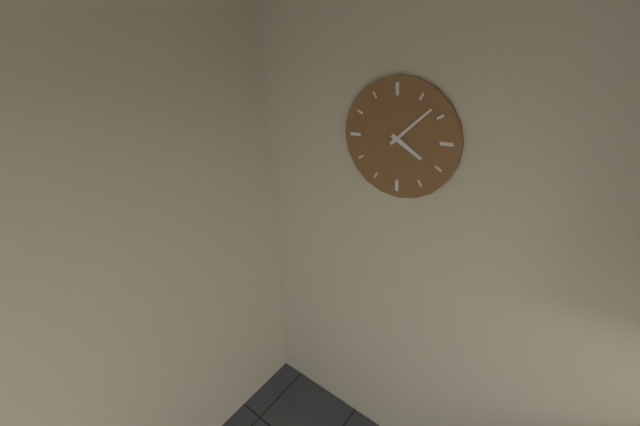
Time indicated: 4:08
